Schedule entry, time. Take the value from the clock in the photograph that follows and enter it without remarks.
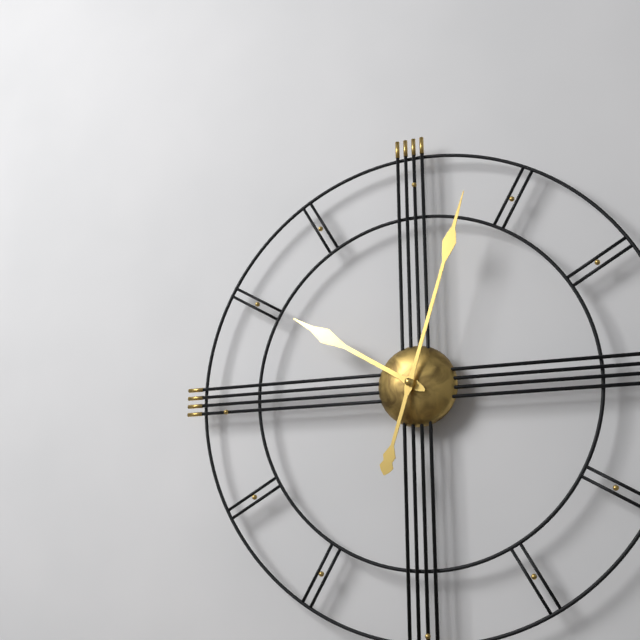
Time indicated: 10:03
